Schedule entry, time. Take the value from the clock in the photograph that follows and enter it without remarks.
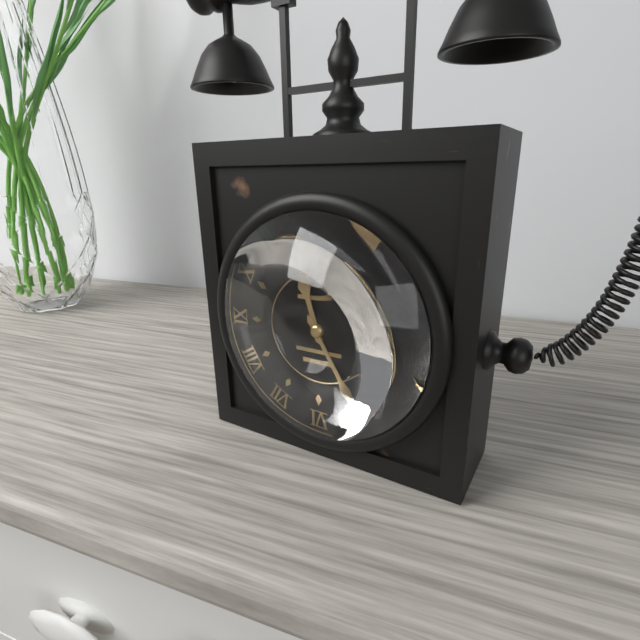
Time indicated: 11:25
